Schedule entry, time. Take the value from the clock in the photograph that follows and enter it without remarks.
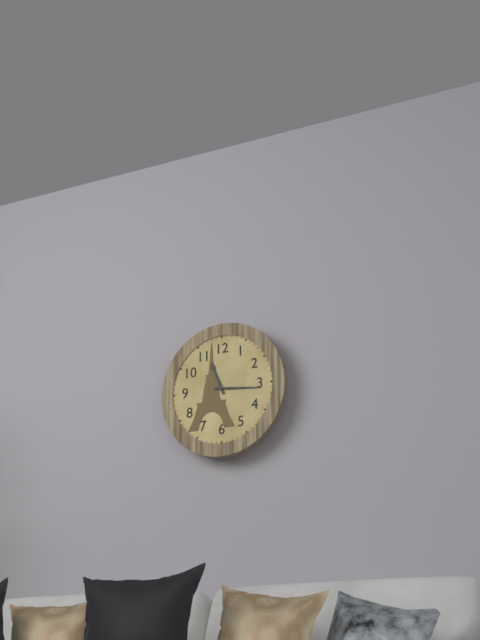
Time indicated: 11:16
